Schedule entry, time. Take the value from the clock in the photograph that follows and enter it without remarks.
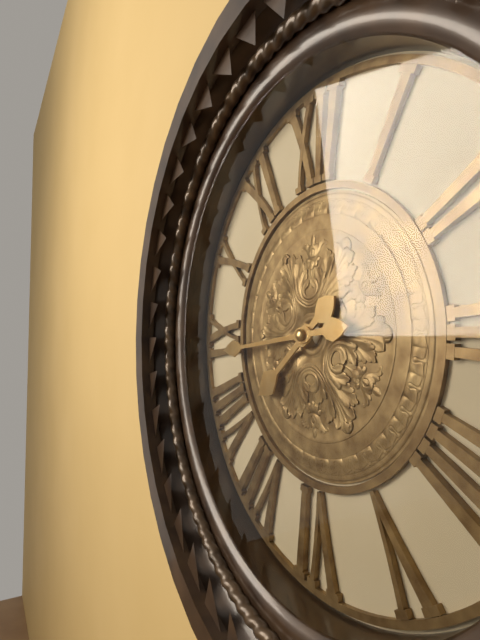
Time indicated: 7:44
